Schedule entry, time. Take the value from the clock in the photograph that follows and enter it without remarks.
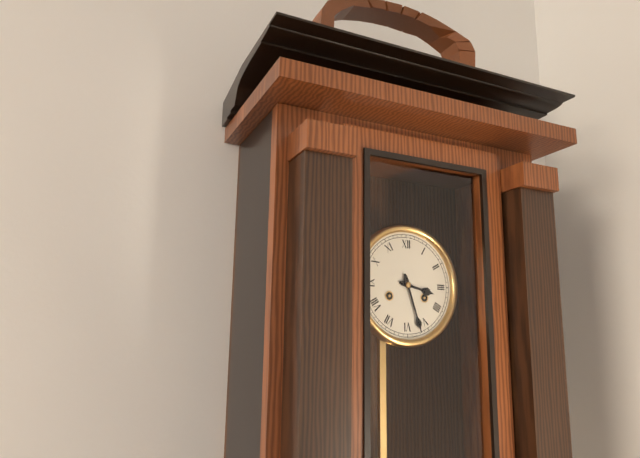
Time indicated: 3:27
